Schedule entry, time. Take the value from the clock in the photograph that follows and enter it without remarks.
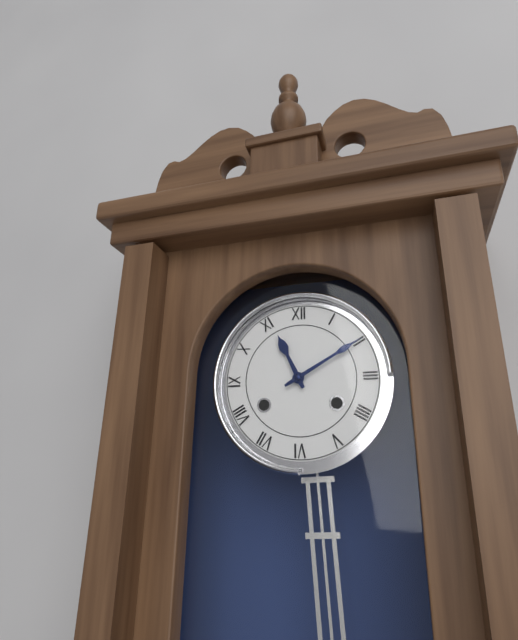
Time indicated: 11:10
